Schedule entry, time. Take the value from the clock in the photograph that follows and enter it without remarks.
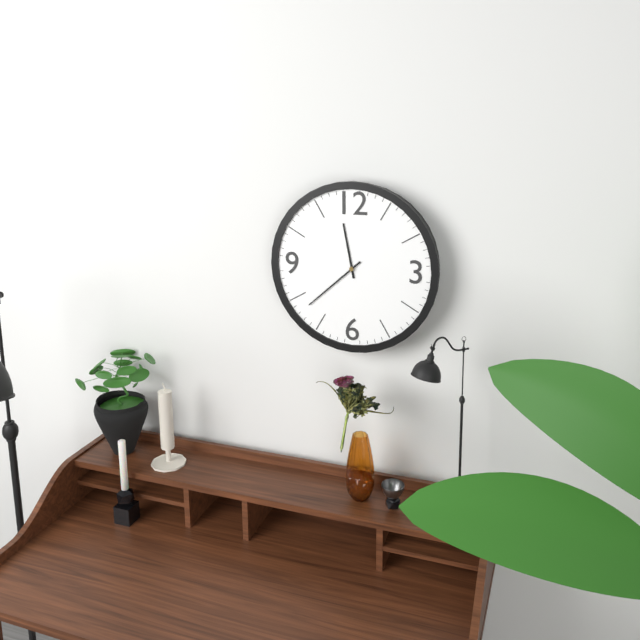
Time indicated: 11:38
